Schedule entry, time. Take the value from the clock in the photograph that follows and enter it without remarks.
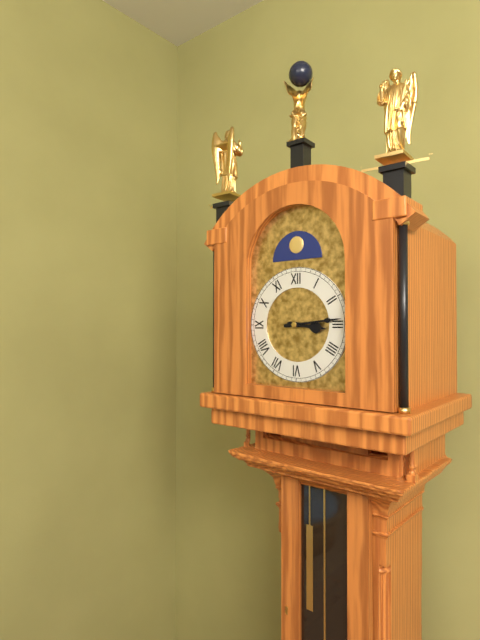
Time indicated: 3:14
